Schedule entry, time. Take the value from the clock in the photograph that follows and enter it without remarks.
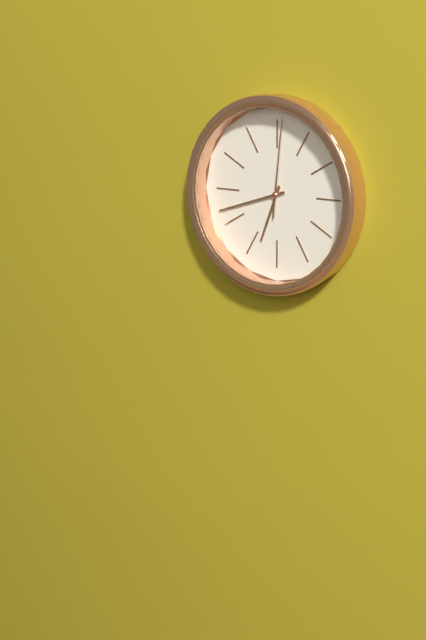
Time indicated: 6:42:01
